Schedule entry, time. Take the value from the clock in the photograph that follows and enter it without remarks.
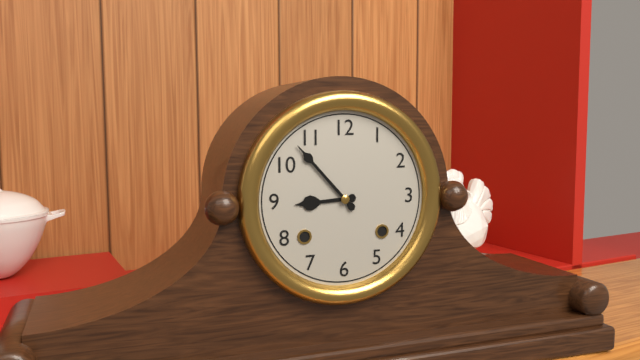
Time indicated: 8:53
